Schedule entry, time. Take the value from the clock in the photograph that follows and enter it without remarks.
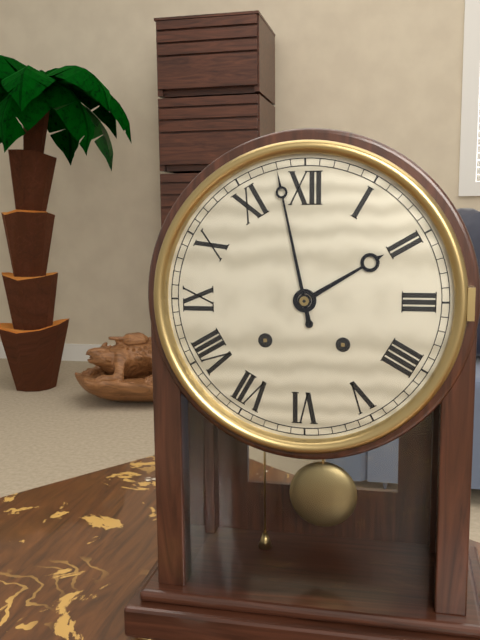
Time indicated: 1:58
